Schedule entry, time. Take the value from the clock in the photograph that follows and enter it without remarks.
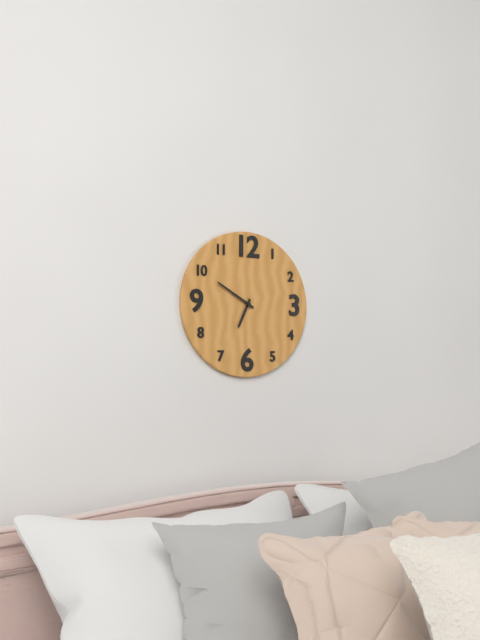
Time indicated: 6:50
